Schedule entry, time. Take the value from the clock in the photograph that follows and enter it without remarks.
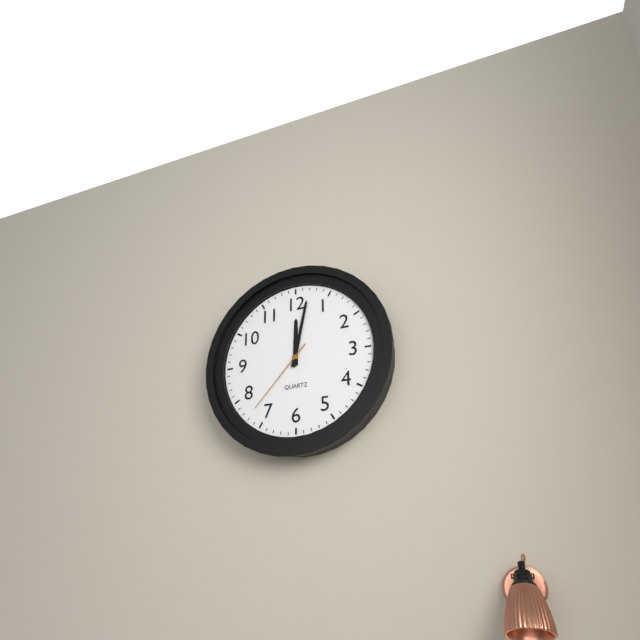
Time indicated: 12:02:37
